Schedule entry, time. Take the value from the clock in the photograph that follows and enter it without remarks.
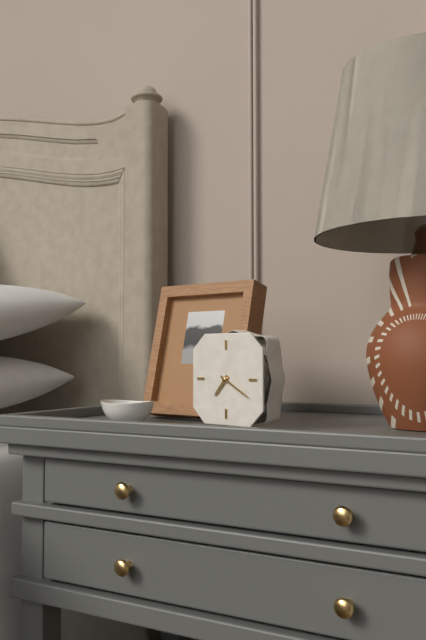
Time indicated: 7:20
